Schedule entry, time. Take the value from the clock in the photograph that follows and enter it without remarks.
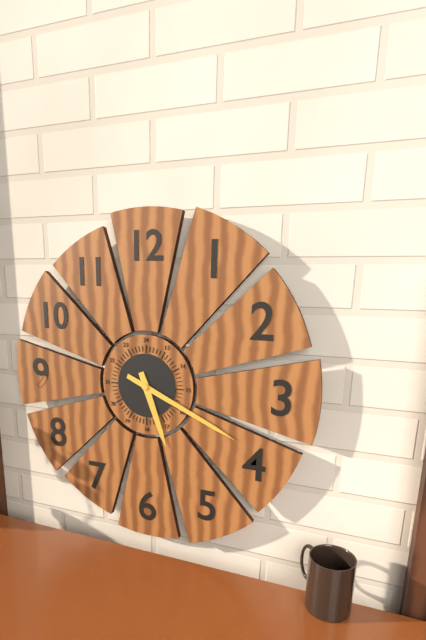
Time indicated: 5:19
